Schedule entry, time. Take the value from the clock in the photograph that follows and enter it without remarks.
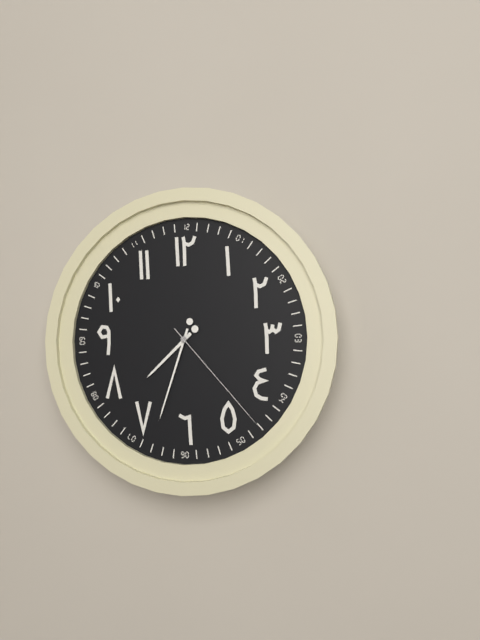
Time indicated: 7:33:23
